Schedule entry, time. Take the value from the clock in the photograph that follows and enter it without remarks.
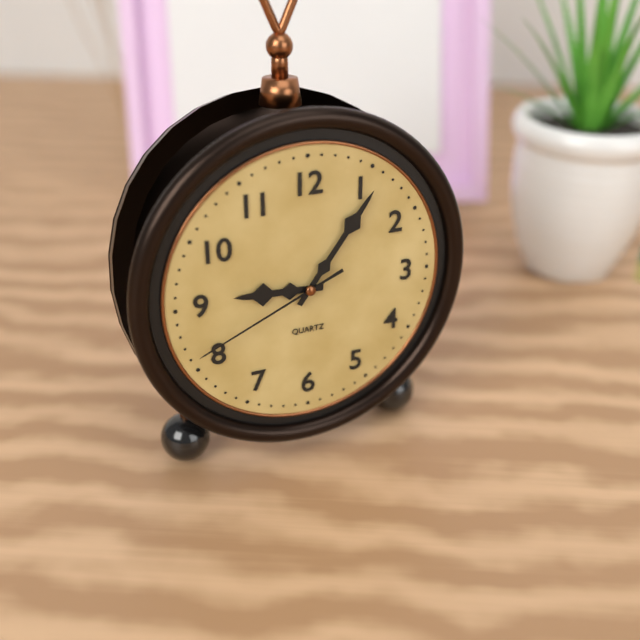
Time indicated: 9:06:41
